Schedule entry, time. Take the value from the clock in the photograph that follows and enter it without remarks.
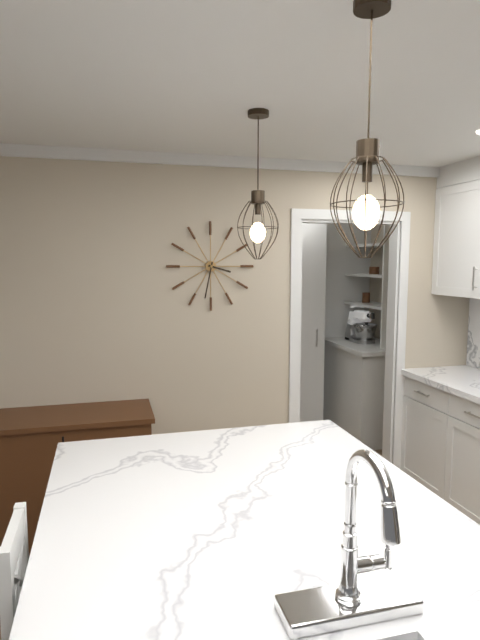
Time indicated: 3:32
